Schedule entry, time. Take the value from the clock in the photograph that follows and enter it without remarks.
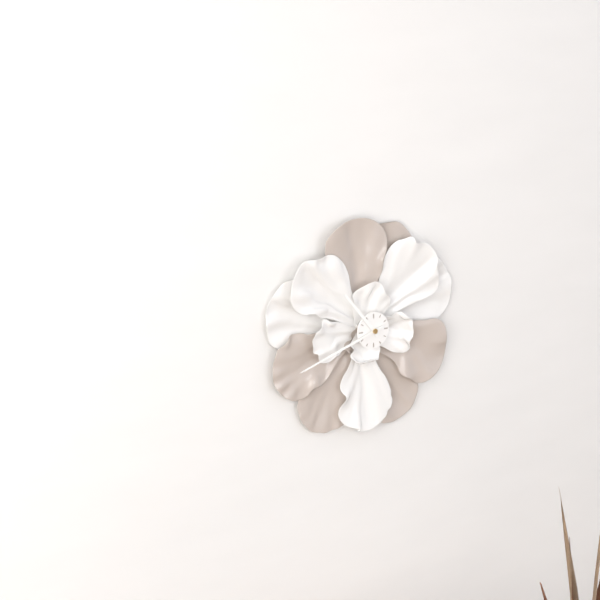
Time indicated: 10:42
